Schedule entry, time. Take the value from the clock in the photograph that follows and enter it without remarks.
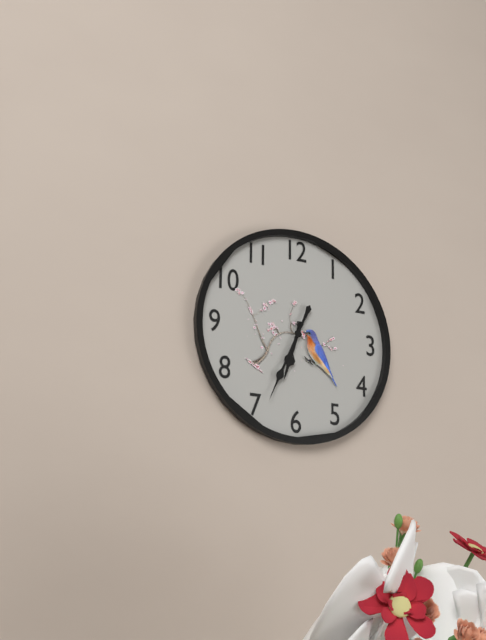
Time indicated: 6:34
